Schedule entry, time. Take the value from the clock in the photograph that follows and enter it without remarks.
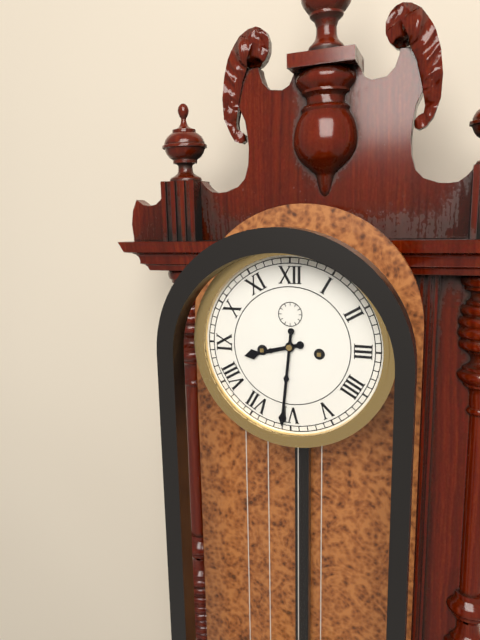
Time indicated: 8:31
